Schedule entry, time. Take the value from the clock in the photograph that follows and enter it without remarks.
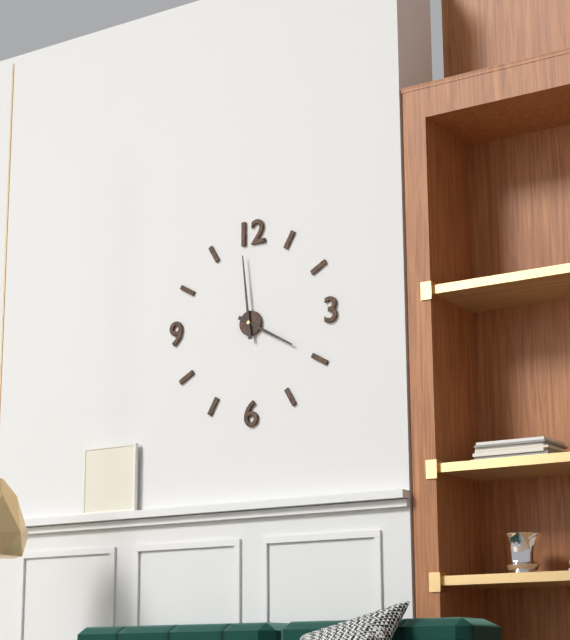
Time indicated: 3:59
